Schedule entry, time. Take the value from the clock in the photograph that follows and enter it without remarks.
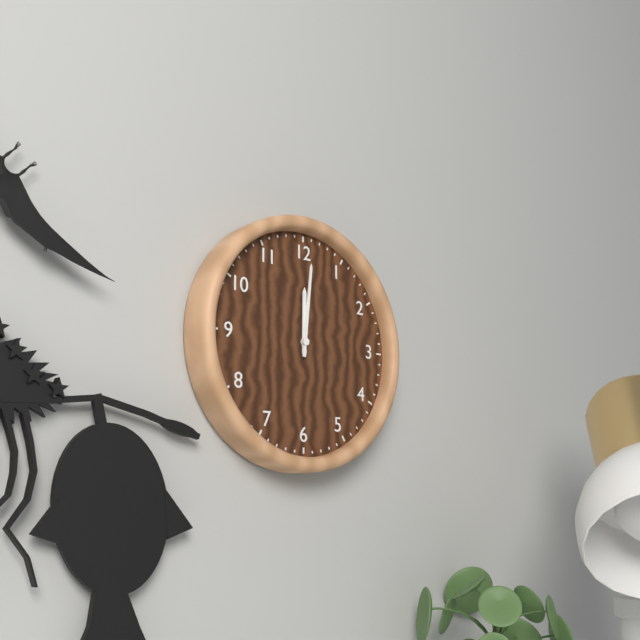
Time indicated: 12:01
